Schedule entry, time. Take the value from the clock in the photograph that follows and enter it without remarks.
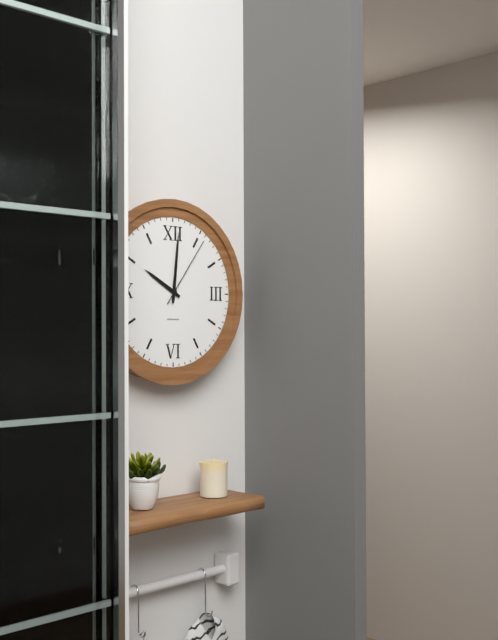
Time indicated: 10:01:06
